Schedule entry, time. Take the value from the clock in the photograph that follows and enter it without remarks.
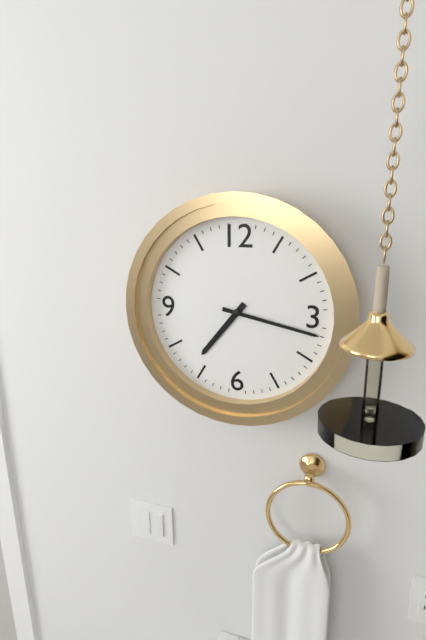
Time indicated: 7:17
